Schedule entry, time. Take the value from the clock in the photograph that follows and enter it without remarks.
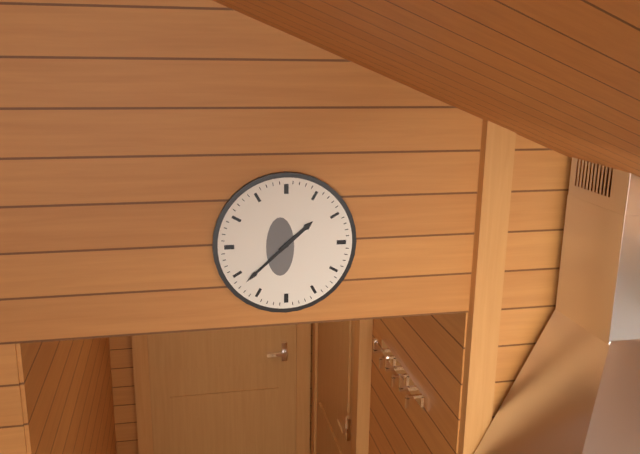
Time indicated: 1:38
